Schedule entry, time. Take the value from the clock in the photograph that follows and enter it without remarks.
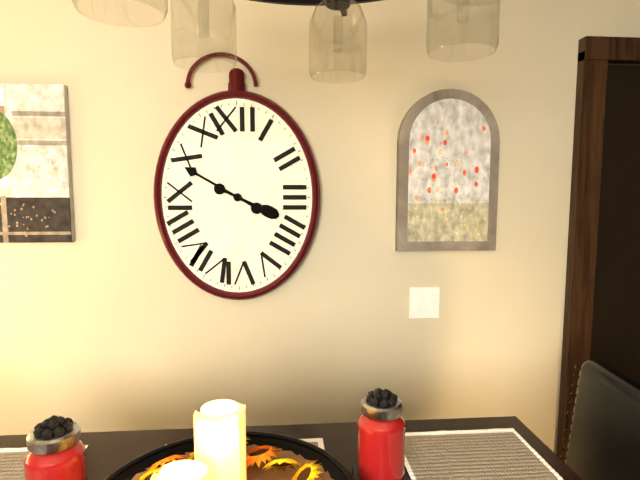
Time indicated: 3:50
